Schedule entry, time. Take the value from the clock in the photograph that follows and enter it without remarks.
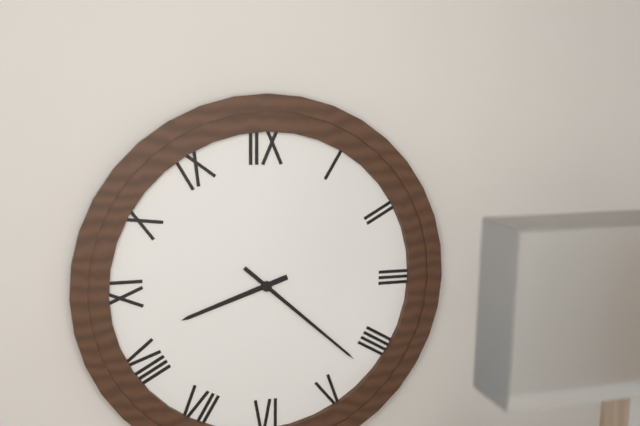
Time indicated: 8:22
